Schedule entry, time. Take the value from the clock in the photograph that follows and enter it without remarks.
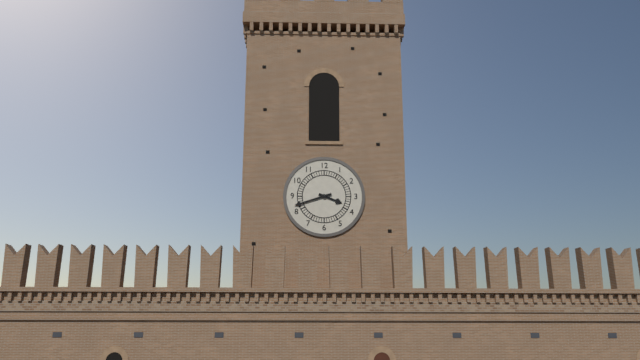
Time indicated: 3:42
